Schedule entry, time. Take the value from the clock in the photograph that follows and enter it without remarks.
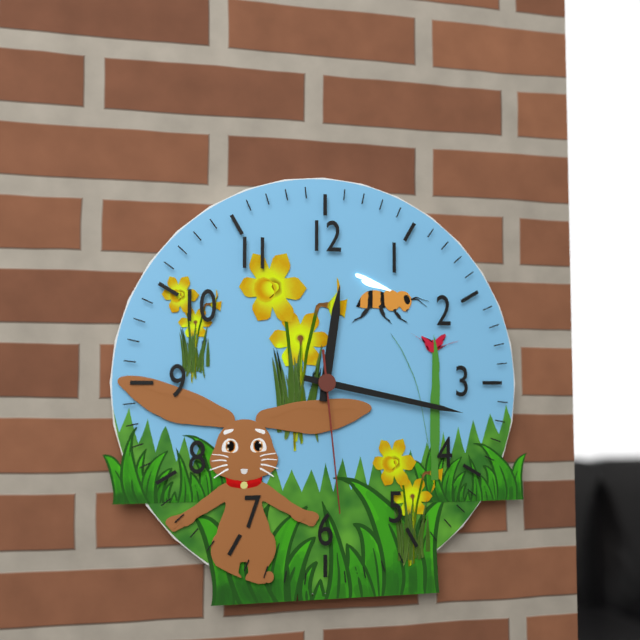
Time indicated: 12:17:29
